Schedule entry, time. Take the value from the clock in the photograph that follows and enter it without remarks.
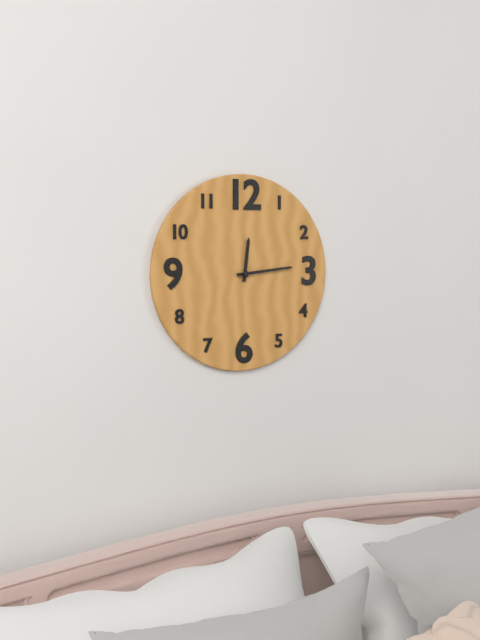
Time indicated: 12:14
